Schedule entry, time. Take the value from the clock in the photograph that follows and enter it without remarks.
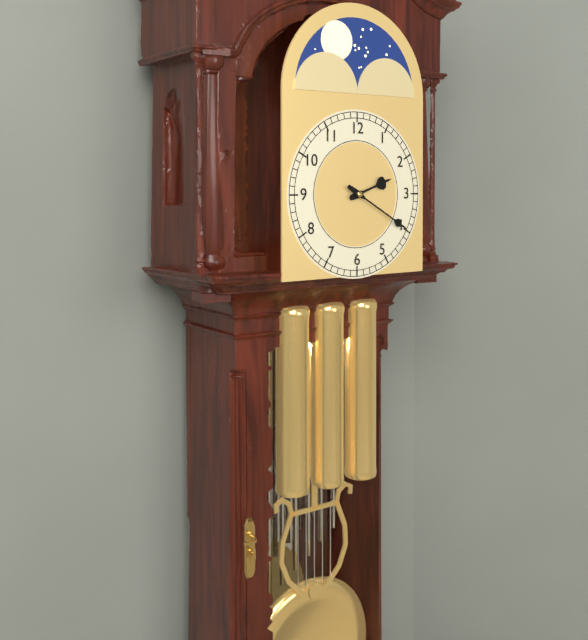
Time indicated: 2:20
